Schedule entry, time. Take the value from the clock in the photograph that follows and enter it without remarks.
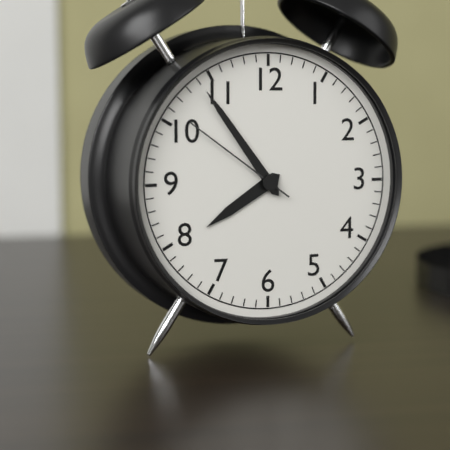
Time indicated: 7:54:51
